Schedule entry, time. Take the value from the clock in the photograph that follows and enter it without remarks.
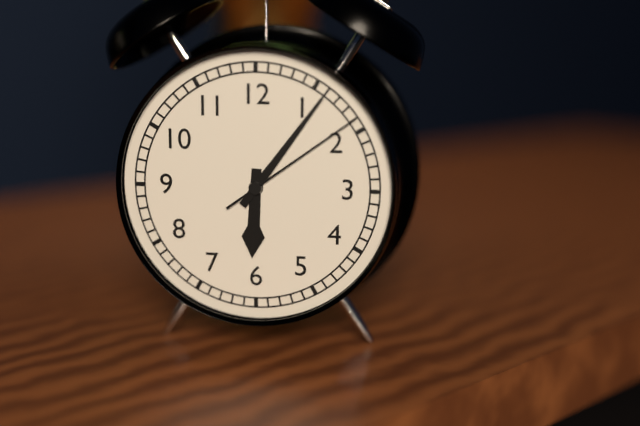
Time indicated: 6:06:09
